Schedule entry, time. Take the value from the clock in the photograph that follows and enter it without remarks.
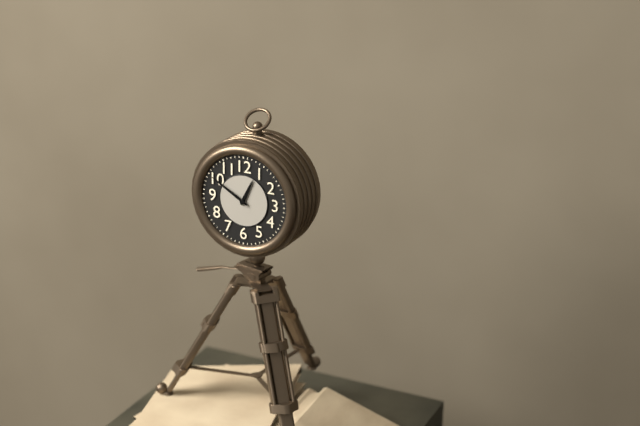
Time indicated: 12:50
